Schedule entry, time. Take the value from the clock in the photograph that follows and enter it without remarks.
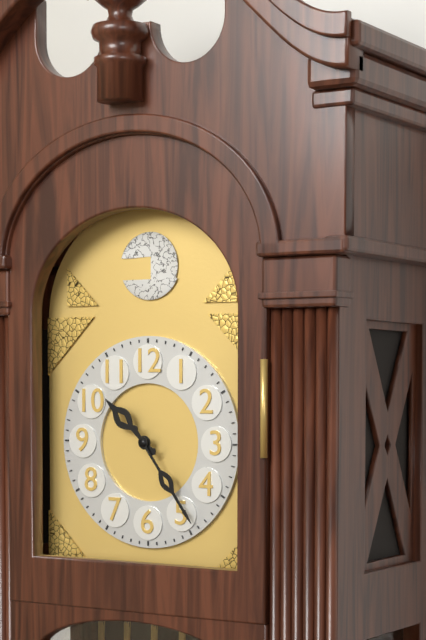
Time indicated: 10:24
